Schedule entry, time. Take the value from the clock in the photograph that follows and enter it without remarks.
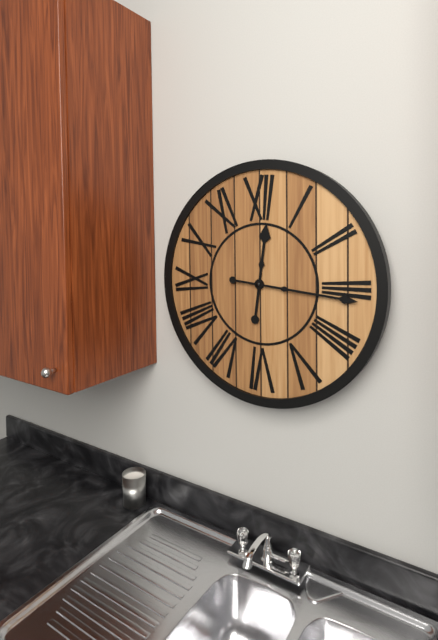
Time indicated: 12:16
